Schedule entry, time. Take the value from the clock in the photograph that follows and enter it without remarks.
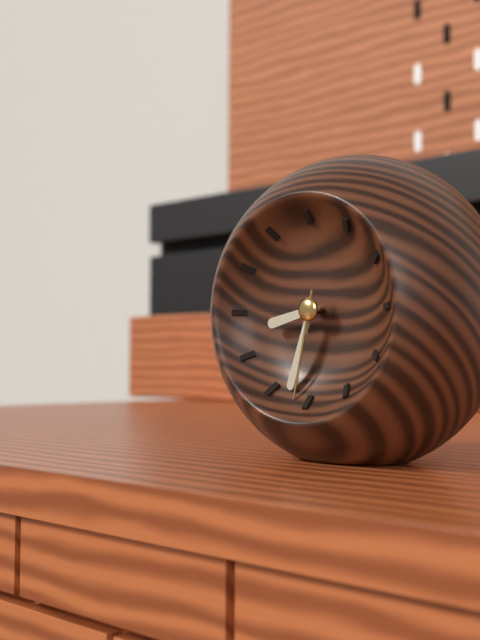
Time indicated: 8:33:32
